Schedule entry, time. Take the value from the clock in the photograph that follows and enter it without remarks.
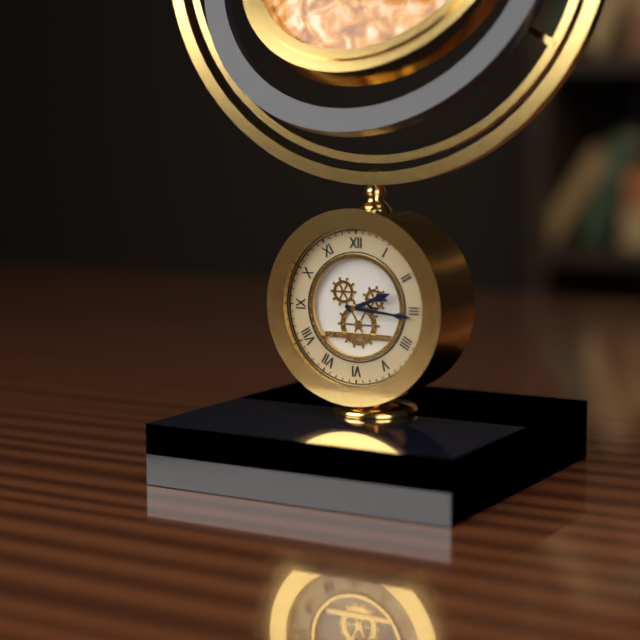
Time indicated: 2:16
